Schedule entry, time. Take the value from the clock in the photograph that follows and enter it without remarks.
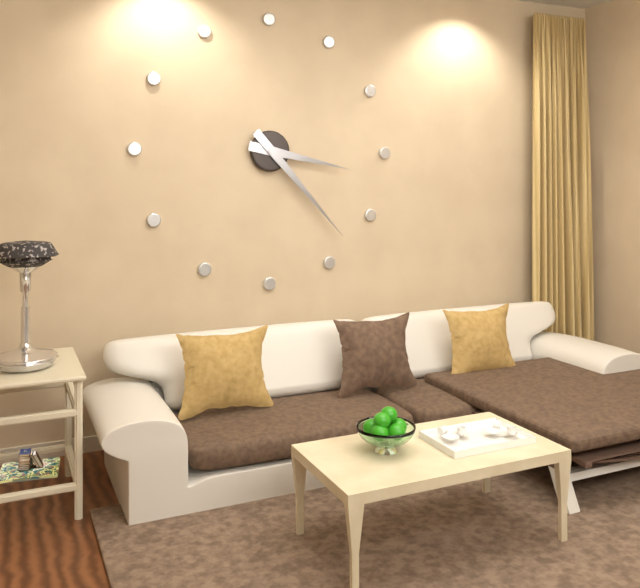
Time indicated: 3:23
